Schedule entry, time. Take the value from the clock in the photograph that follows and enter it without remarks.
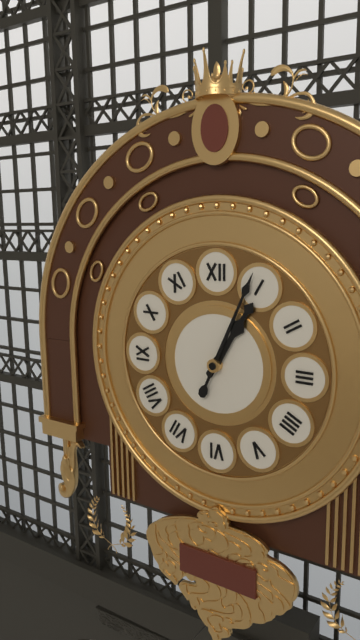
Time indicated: 1:04
